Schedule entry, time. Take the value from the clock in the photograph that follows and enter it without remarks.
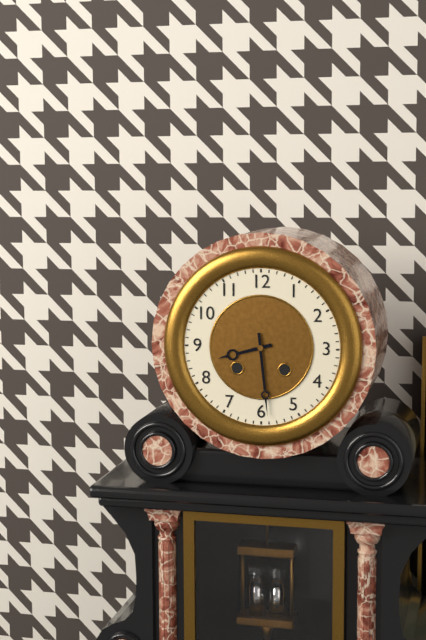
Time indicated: 8:29
